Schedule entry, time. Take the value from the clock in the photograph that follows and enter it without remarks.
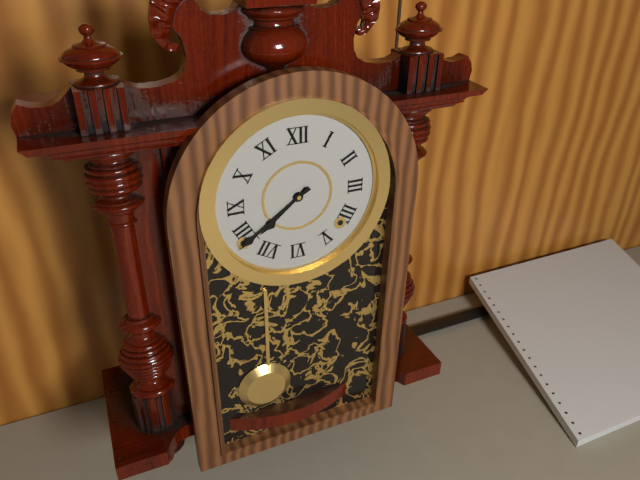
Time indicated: 7:39
